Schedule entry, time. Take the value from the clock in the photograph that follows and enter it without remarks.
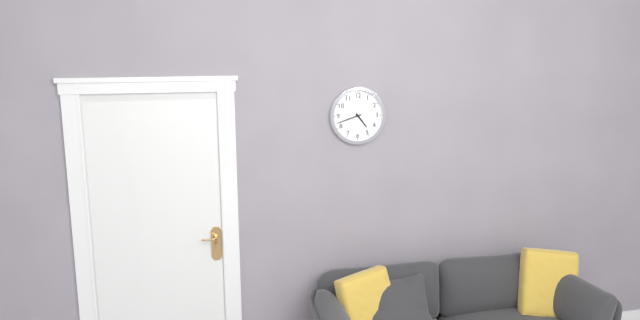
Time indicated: 4:42
